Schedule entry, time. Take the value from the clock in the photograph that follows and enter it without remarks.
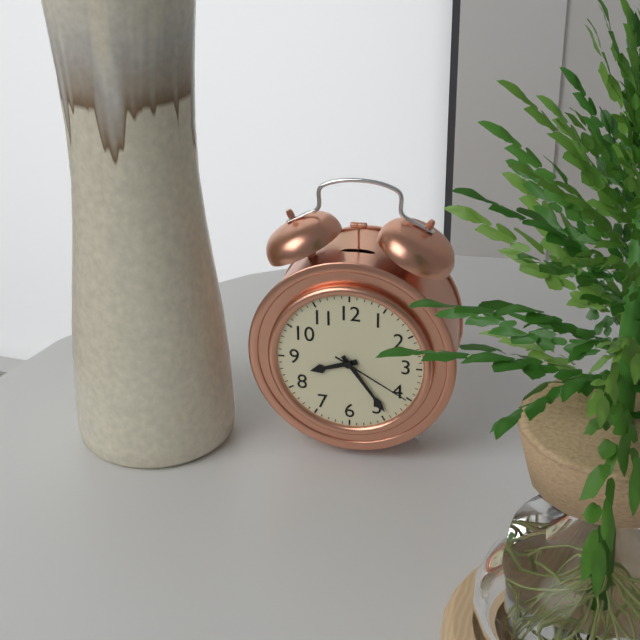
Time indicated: 8:24:20
